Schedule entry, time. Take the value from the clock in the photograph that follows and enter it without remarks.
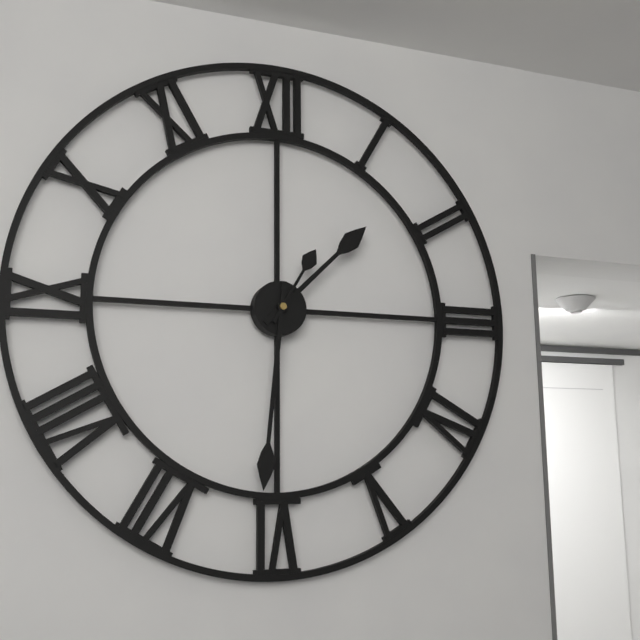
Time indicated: 1:31:05
